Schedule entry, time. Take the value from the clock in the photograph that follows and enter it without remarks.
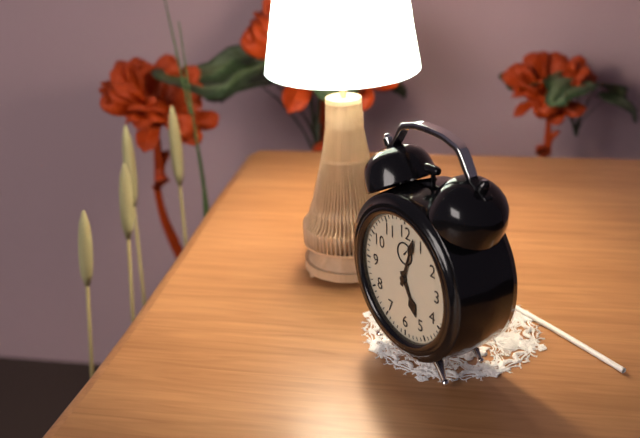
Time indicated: 5:03
